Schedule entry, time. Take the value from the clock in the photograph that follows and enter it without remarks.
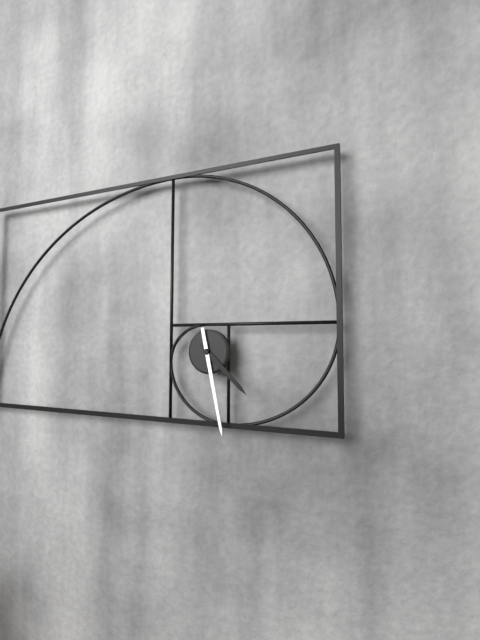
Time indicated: 4:28
